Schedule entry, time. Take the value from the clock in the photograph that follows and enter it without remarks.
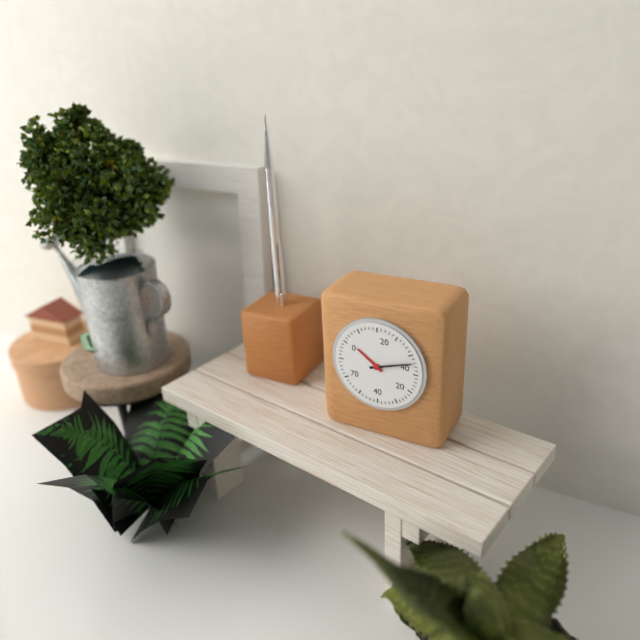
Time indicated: 10:12
